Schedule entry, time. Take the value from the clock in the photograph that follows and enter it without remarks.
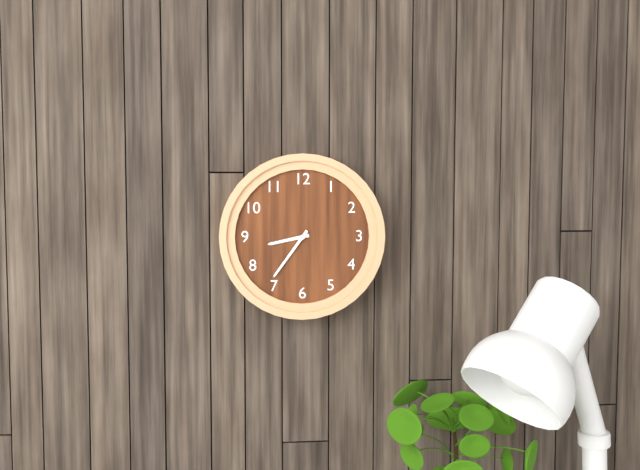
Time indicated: 8:36
